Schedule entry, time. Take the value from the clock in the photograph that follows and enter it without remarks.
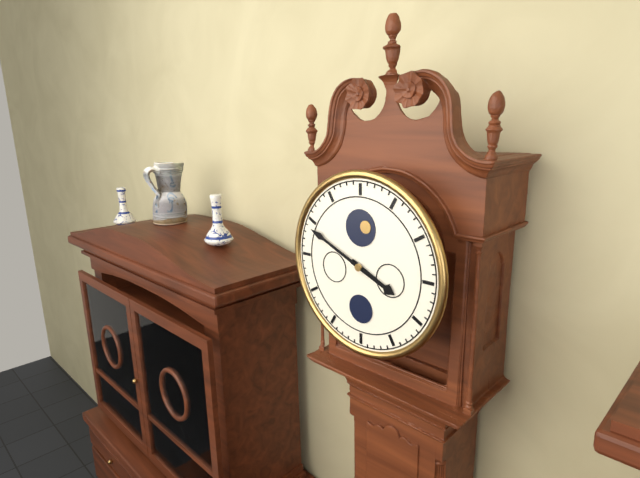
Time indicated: 3:49
